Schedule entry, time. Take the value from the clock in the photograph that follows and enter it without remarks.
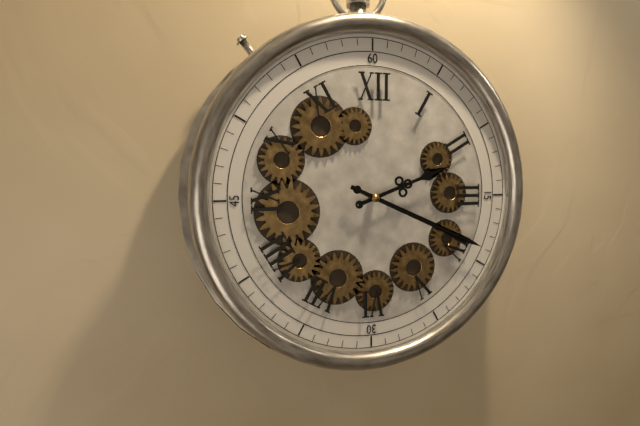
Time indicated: 2:19
